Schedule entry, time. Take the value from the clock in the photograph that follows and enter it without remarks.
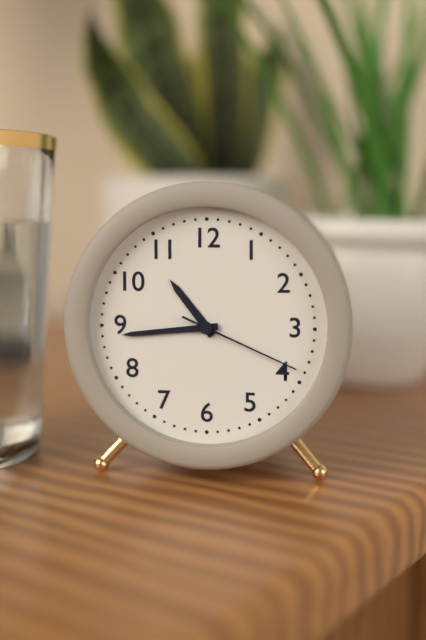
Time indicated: 10:44:19
